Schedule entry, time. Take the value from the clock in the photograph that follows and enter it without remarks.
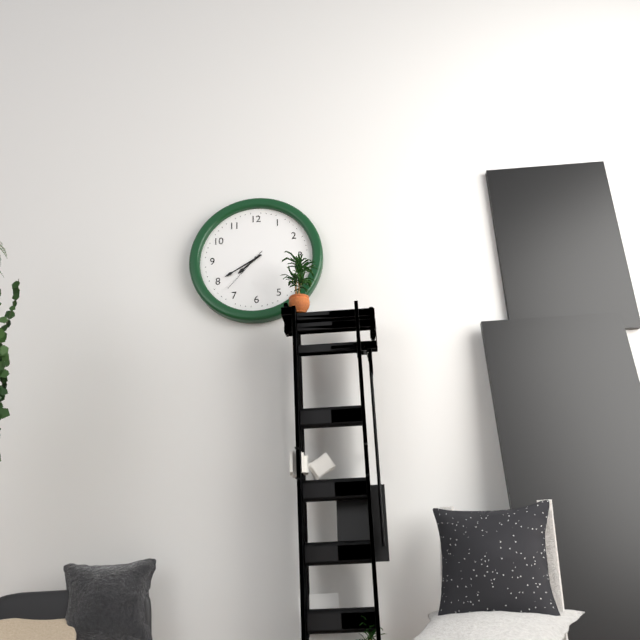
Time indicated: 7:40:37
